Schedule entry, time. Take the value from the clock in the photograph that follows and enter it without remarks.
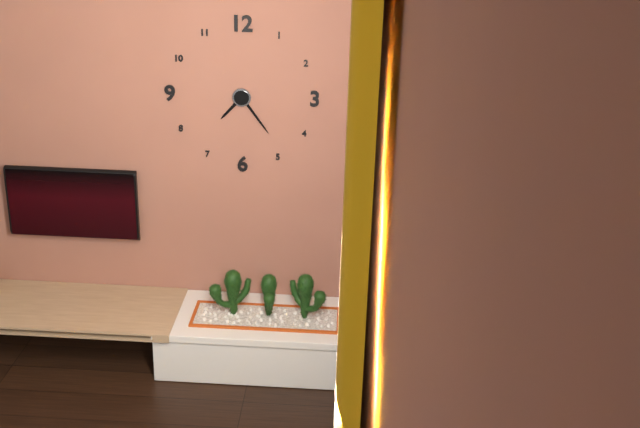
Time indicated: 7:24
